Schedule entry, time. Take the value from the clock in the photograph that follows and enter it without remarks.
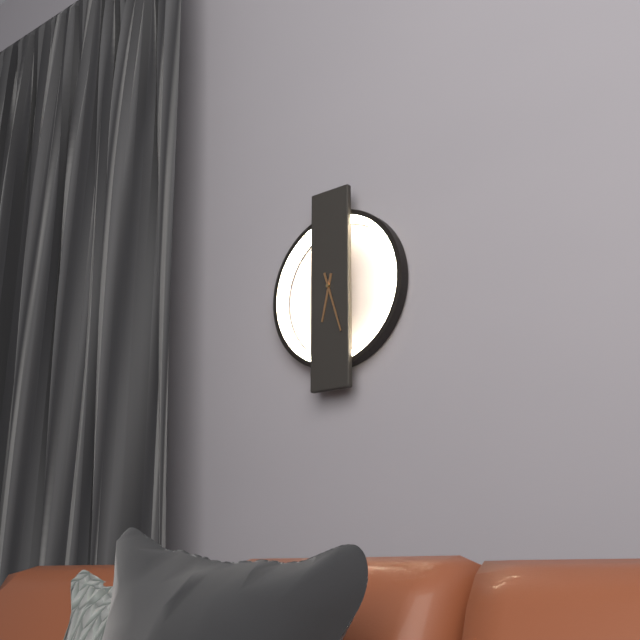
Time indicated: 6:27
